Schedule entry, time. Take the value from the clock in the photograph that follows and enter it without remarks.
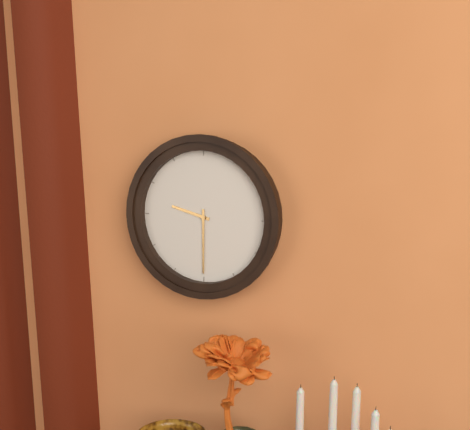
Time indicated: 9:30
